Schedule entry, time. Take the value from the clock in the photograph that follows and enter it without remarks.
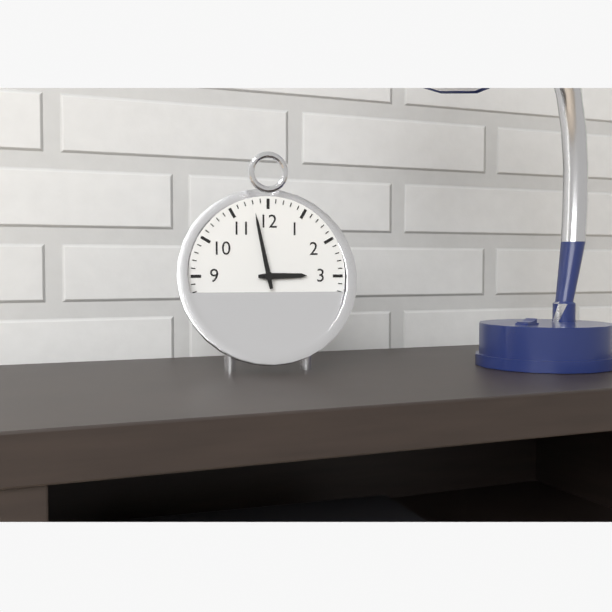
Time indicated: 2:58
